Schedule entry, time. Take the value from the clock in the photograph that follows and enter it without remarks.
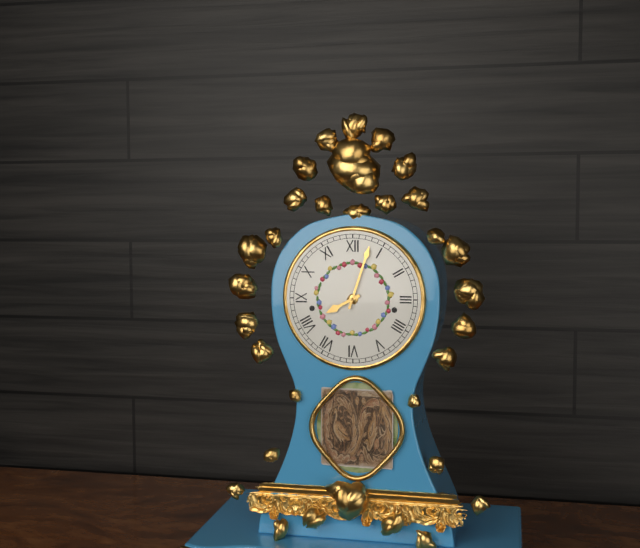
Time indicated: 8:03
